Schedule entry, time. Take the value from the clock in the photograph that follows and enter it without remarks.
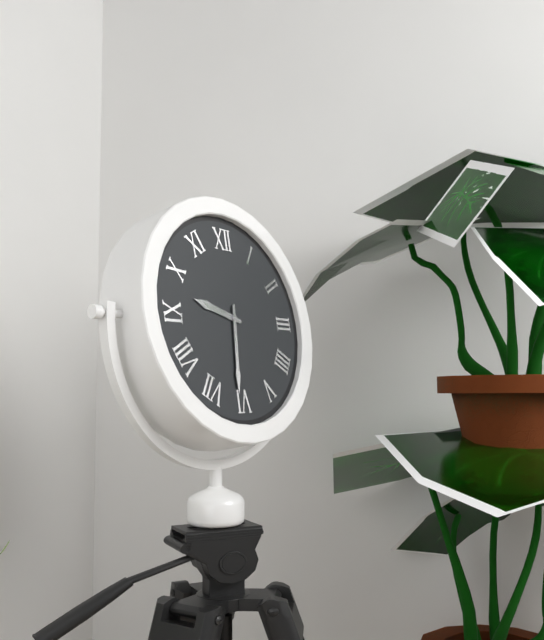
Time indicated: 9:31
